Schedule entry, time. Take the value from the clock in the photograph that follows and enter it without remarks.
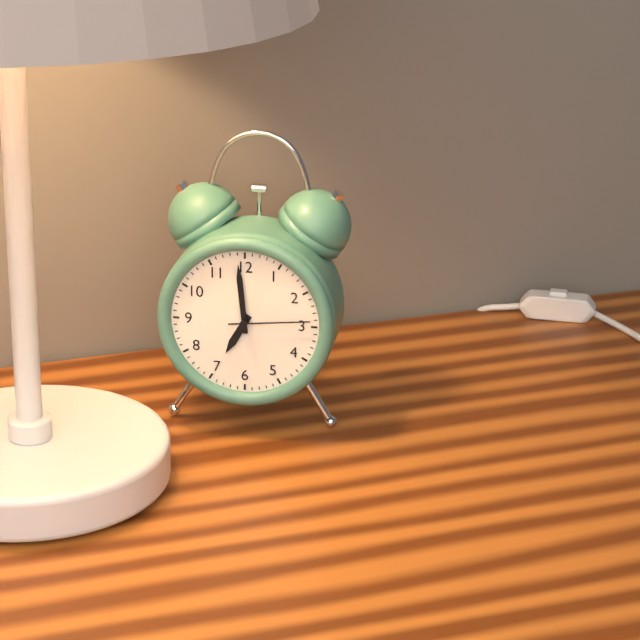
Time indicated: 6:59:14
